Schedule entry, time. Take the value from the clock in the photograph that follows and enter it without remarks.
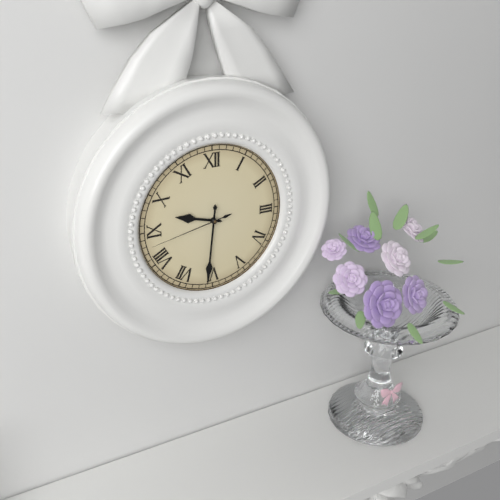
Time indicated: 9:31:43
